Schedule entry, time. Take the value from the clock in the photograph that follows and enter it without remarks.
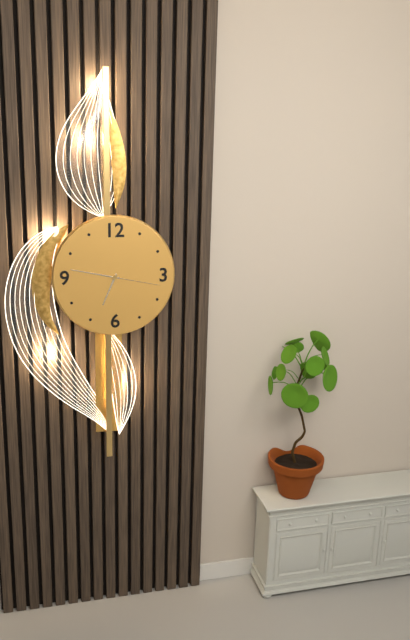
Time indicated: 6:47:17
